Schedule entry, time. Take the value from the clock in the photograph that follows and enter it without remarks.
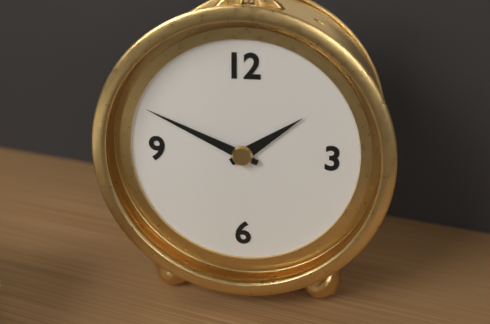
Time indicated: 1:49
